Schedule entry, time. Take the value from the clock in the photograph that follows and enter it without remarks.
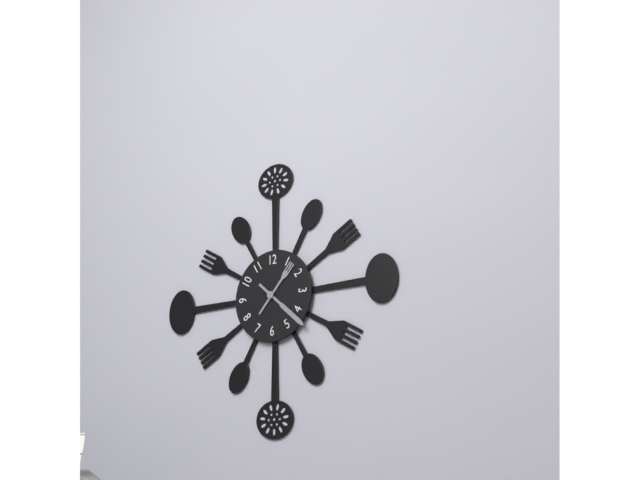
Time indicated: 1:22
